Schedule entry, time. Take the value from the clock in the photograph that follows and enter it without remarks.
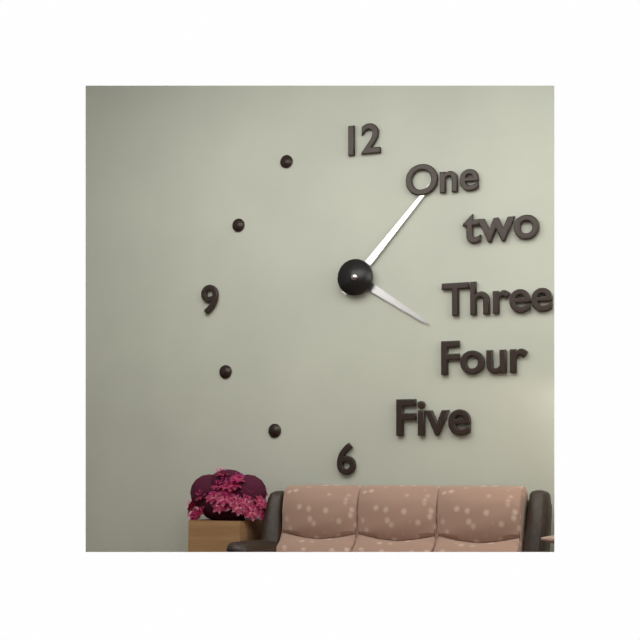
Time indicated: 4:07
